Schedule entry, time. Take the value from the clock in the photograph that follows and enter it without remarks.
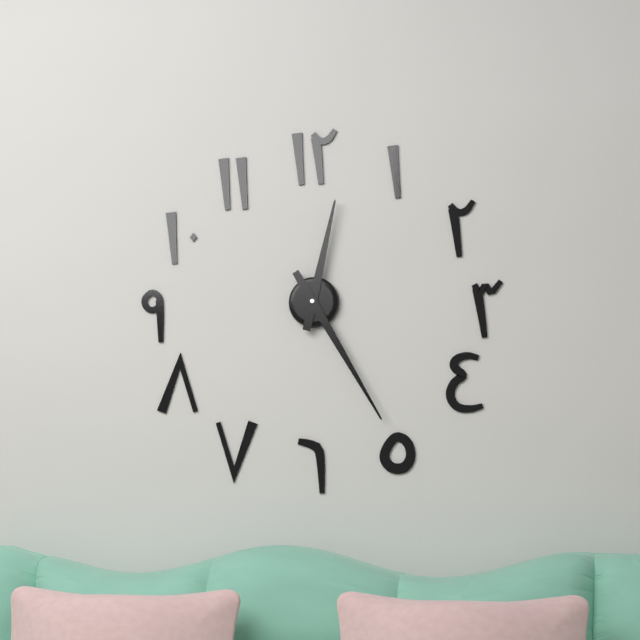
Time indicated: 12:25
